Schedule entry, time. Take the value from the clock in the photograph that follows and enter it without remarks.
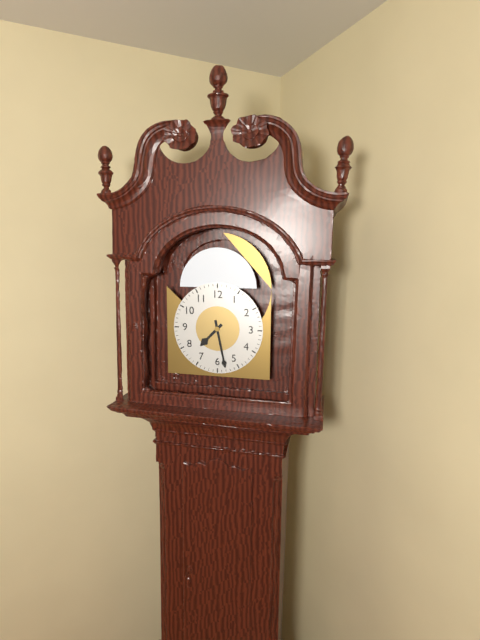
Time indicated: 7:28
